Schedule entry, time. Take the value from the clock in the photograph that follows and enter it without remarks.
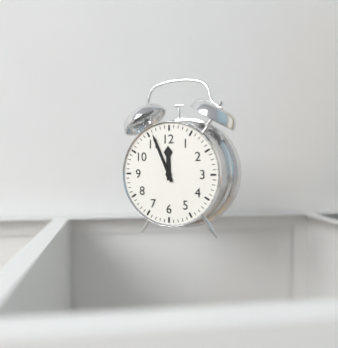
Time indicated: 11:56
